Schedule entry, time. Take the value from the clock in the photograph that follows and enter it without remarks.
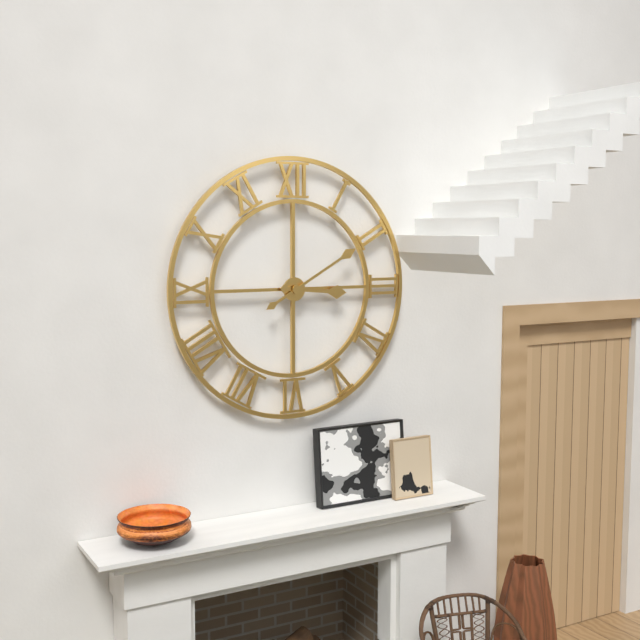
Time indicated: 3:10
